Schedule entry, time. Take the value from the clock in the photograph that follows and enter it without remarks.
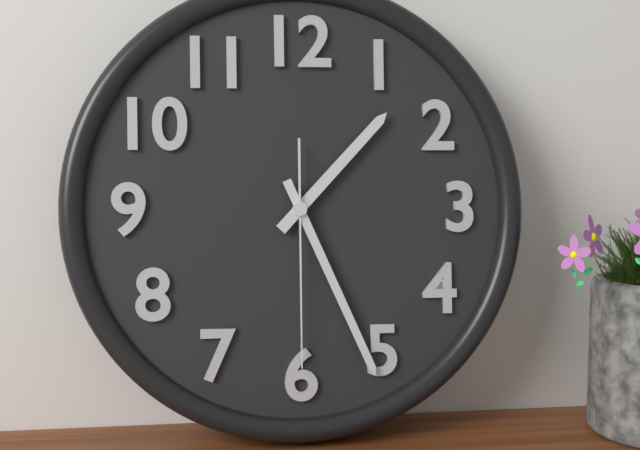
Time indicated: 1:26:30
